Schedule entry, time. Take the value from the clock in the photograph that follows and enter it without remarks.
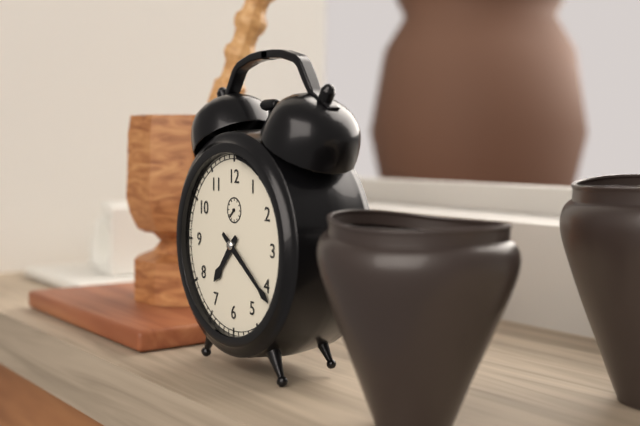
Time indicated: 7:21
